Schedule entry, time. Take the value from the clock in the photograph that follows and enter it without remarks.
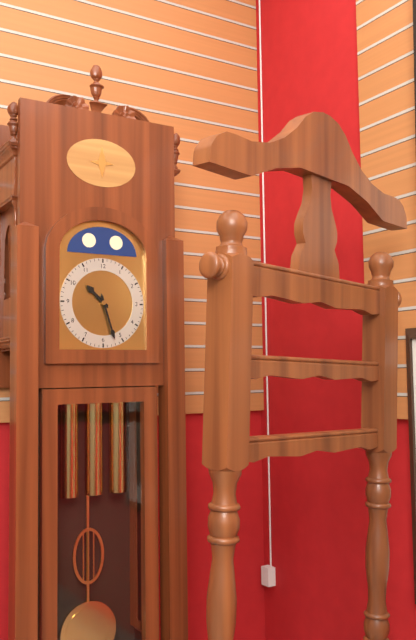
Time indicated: 10:27
